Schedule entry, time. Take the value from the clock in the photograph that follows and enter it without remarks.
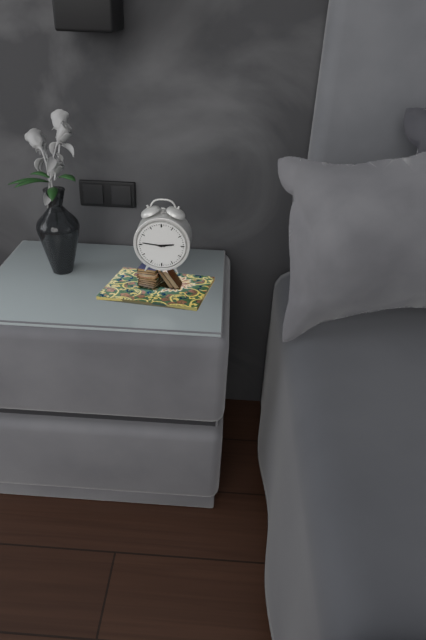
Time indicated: 2:46
